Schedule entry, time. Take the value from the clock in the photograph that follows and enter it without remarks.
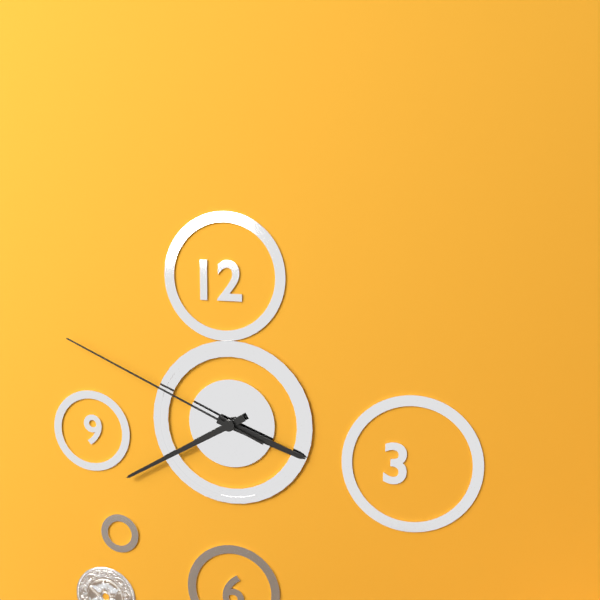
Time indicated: 3:40:49
